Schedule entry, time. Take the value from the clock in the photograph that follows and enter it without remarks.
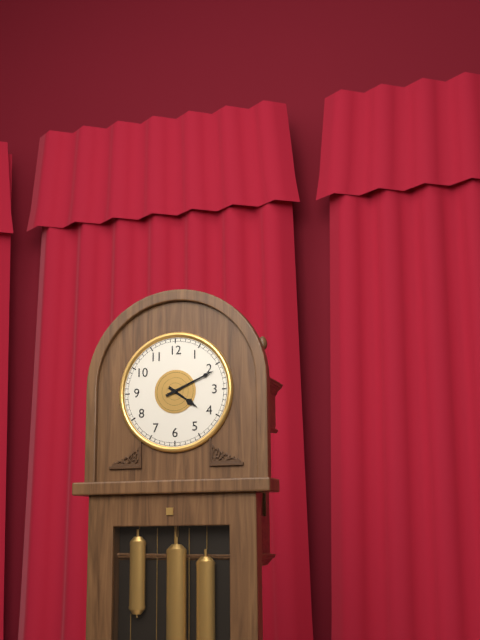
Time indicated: 4:11
